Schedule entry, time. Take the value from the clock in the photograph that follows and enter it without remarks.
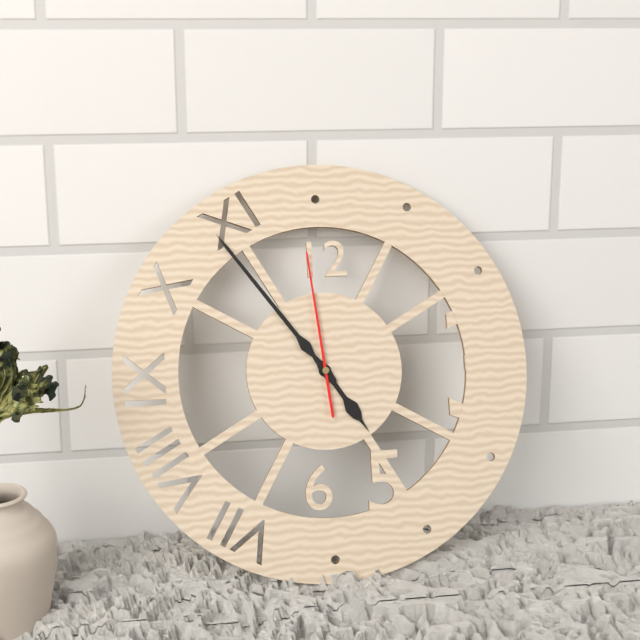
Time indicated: 4:54:59
